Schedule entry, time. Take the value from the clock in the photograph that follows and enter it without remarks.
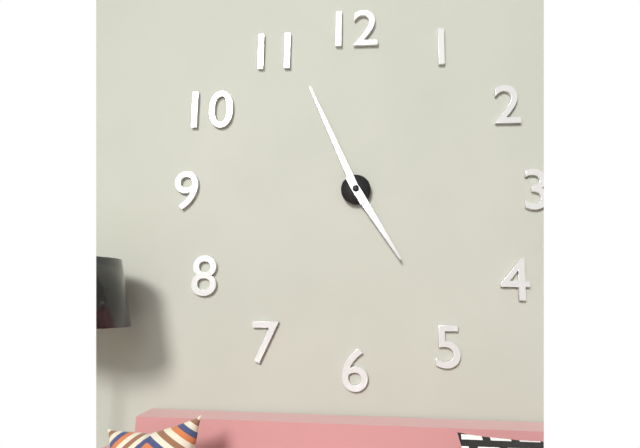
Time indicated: 4:56
